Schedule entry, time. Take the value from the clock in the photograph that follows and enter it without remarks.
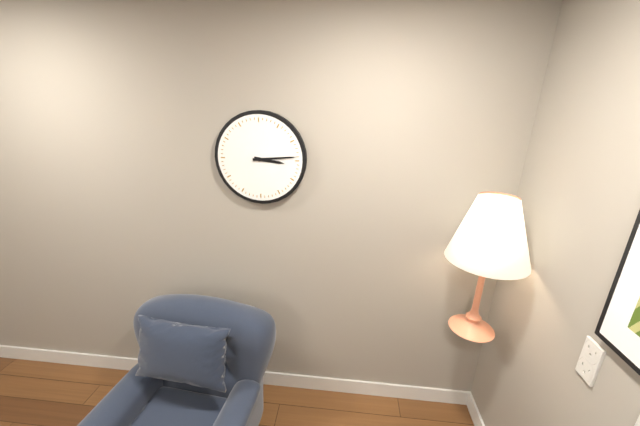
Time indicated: 3:14
